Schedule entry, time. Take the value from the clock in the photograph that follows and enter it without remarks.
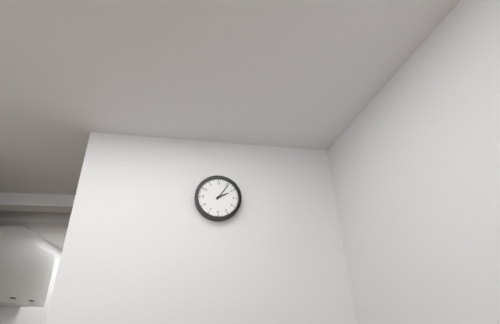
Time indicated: 2:06
